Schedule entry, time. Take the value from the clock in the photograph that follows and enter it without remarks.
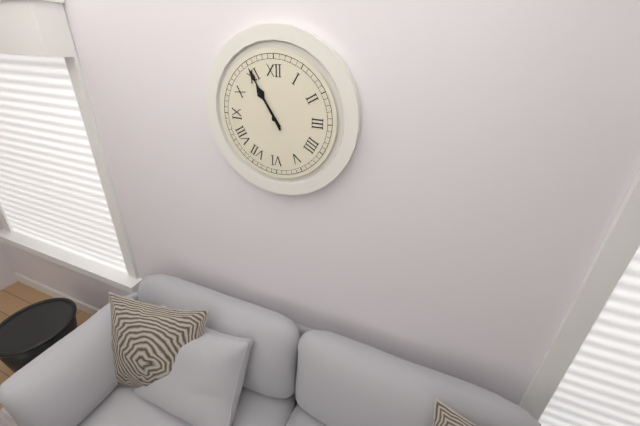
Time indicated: 10:55
